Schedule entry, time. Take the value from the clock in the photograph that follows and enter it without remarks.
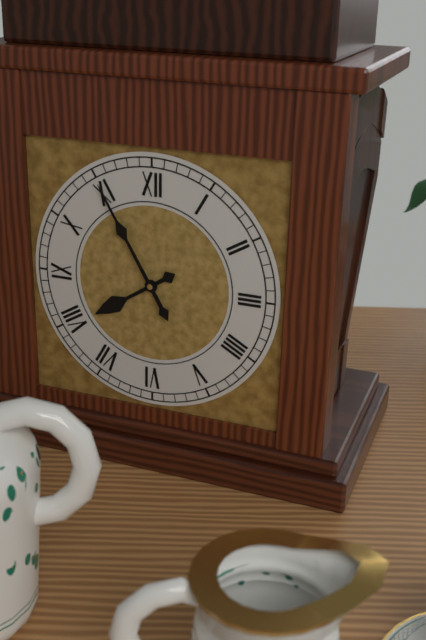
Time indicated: 7:55
